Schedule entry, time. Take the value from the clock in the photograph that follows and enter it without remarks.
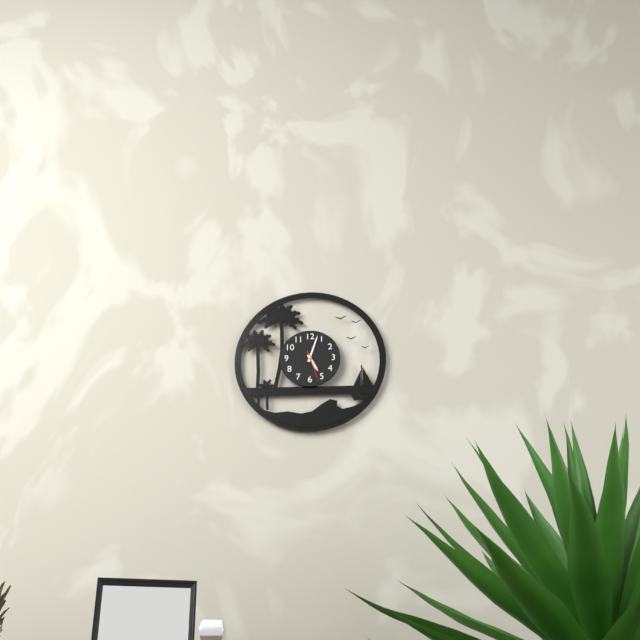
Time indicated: 5:03
